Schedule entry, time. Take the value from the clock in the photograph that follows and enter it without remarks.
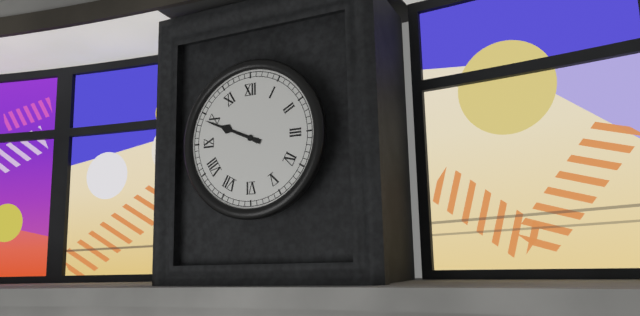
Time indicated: 9:49
